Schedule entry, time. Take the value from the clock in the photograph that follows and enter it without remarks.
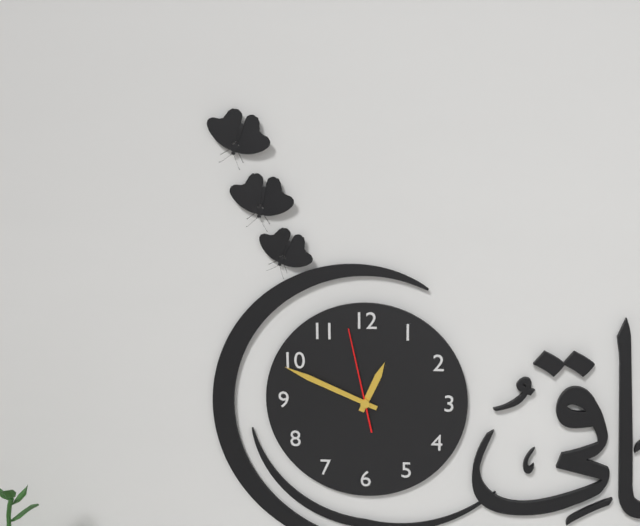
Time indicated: 12:49:58
